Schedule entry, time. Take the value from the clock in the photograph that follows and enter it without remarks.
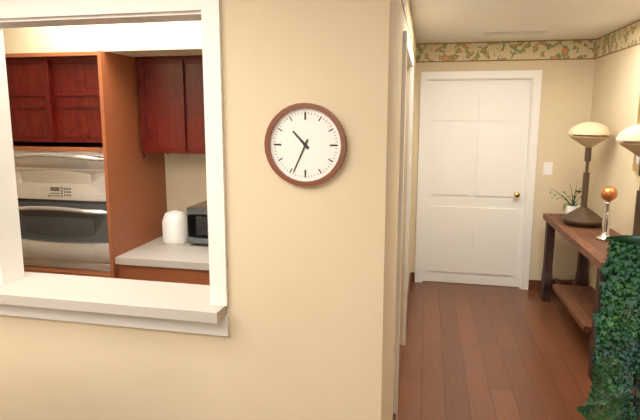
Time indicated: 10:34
